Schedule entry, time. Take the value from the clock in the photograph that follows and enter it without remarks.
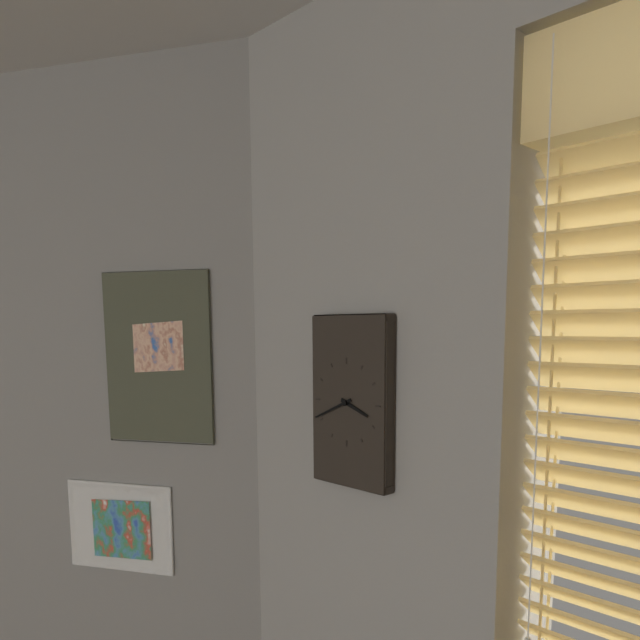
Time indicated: 3:41
